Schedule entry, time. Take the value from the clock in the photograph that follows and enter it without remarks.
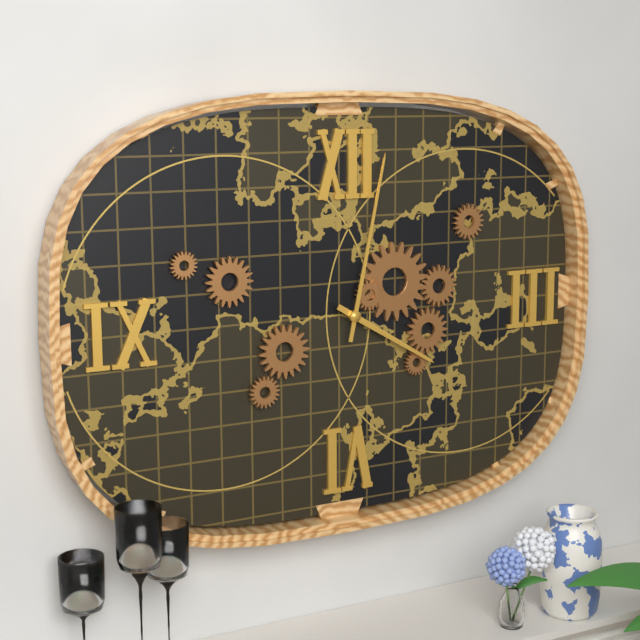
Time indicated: 4:02
